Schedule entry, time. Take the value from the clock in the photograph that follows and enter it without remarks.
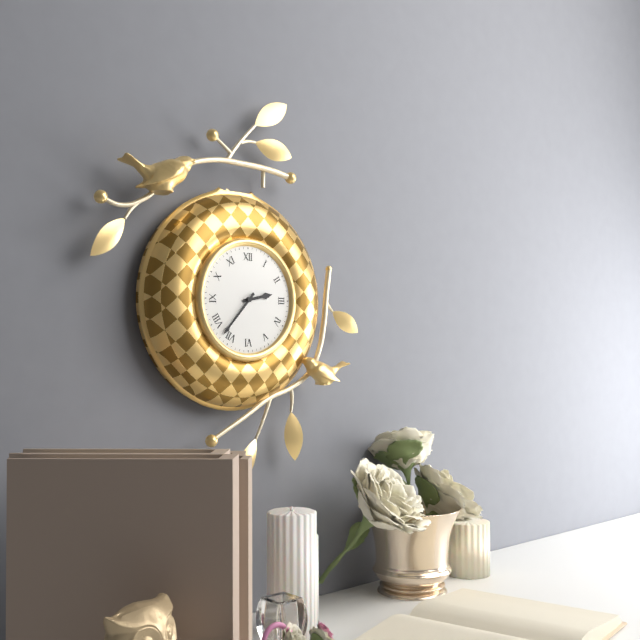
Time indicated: 2:37
